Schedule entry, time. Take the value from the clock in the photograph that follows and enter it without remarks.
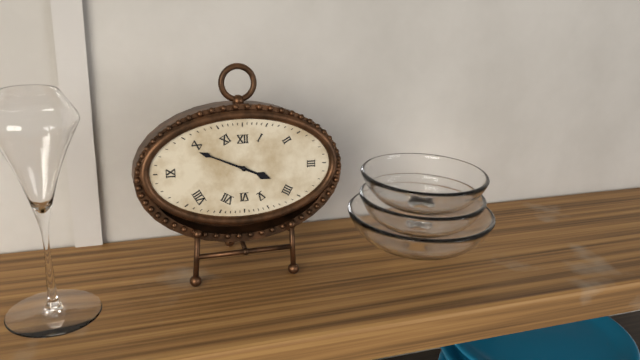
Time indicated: 3:49
